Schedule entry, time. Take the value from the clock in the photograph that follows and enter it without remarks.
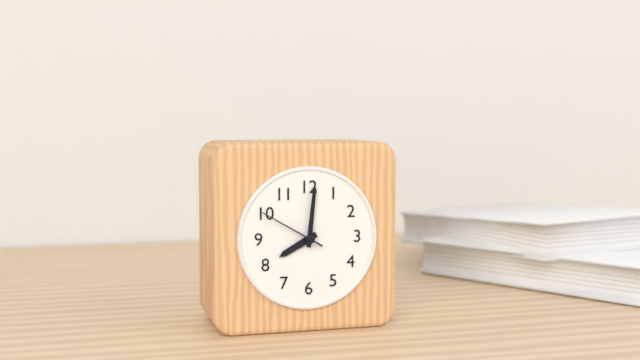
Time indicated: 8:01:50
